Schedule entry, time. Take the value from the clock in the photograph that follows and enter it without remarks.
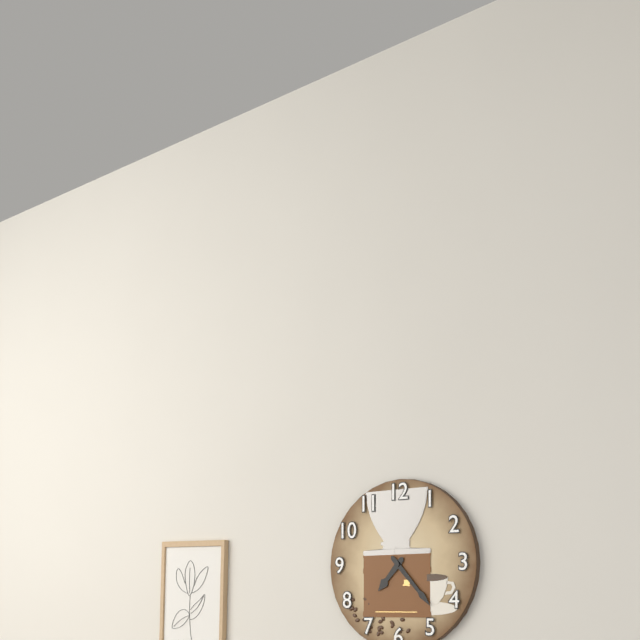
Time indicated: 7:23
